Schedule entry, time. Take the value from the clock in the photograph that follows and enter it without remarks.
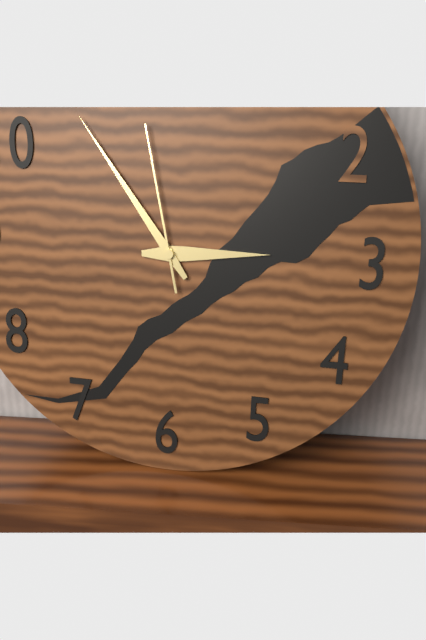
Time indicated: 2:54:58
